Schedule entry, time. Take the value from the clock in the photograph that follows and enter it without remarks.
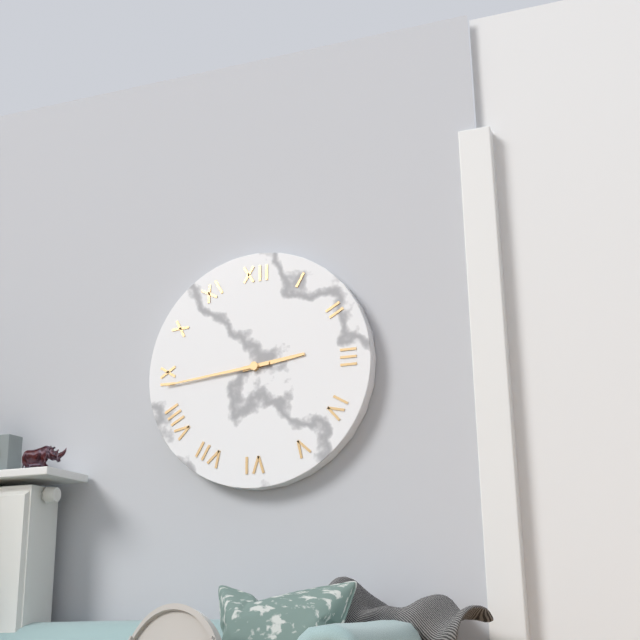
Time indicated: 2:44
